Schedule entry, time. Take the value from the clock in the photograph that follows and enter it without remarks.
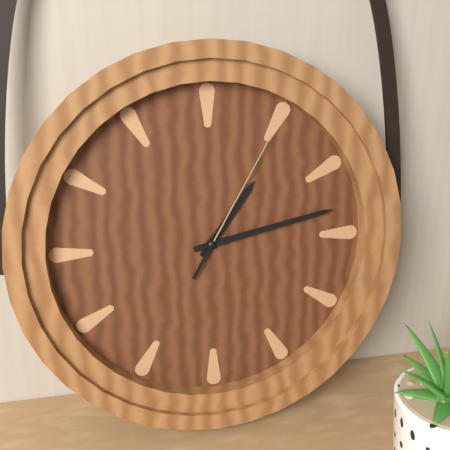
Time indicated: 1:13:05
